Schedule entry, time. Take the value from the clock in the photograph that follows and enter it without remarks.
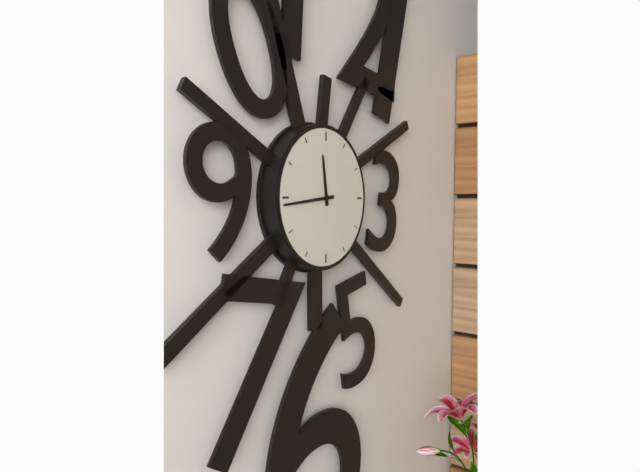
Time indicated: 11:44
